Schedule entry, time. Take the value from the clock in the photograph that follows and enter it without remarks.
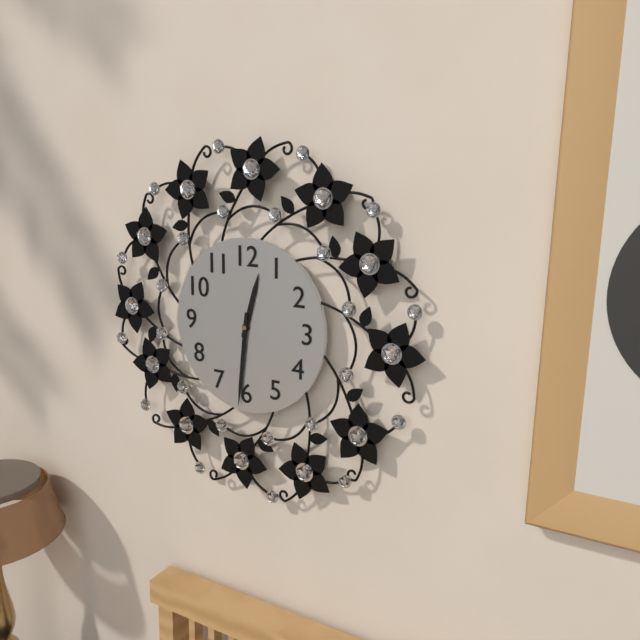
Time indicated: 12:31
